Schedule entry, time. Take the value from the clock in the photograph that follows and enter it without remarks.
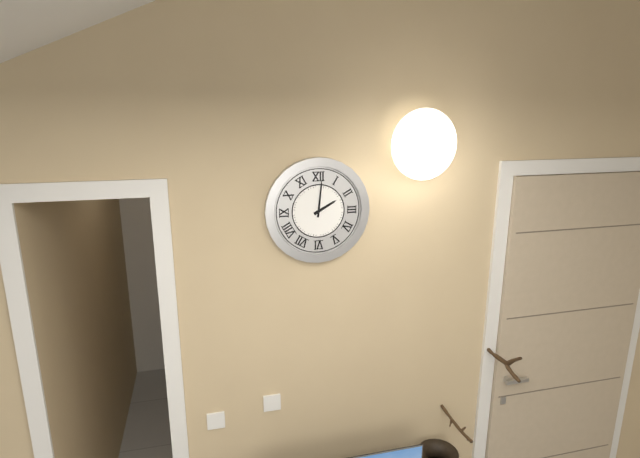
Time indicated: 2:01
